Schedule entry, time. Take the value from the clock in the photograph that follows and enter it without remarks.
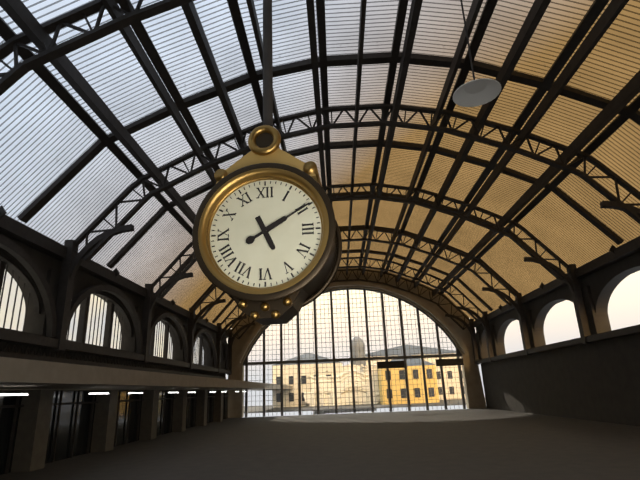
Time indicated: 5:10
